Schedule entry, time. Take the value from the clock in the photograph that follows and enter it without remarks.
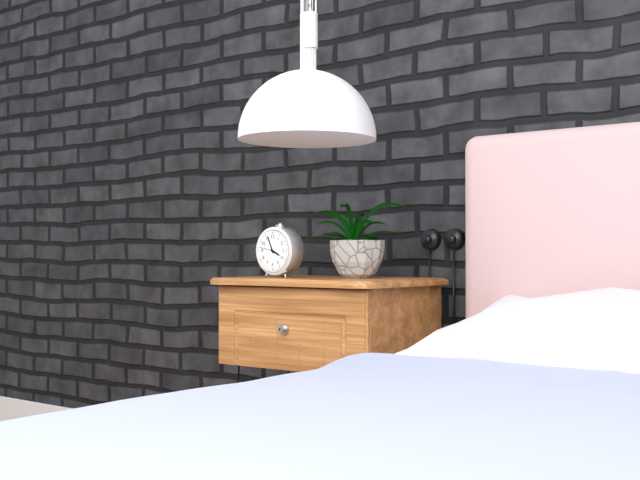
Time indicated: 3:56
